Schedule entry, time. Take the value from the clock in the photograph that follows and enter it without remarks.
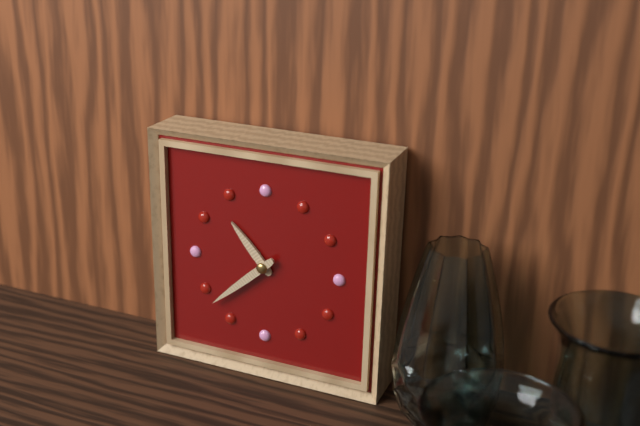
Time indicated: 10:38
